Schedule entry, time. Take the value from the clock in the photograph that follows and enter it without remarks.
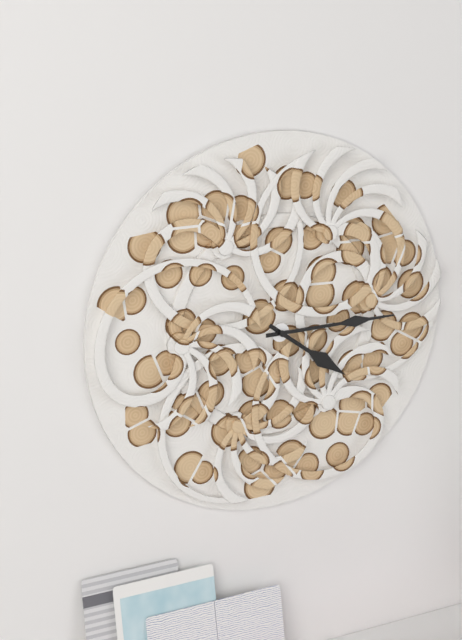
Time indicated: 4:15
